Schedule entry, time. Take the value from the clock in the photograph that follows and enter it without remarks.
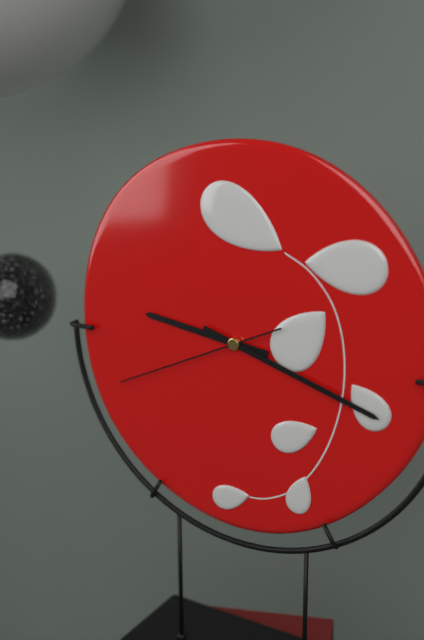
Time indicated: 9:18:41
